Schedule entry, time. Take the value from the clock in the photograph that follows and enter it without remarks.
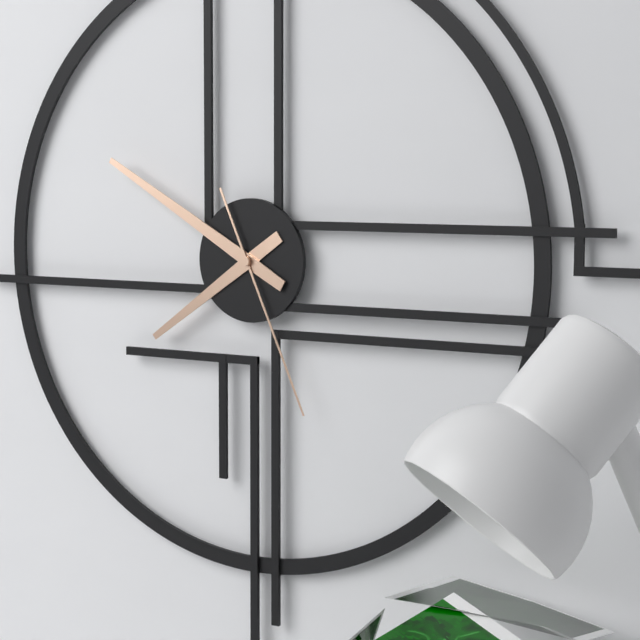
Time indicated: 7:50:26
